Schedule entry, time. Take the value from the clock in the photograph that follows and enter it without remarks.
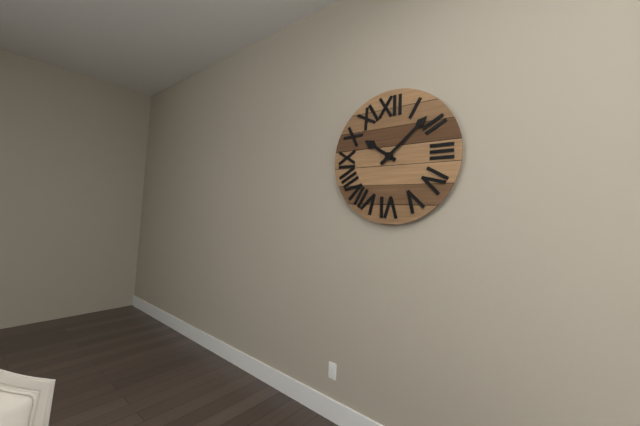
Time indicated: 10:08
